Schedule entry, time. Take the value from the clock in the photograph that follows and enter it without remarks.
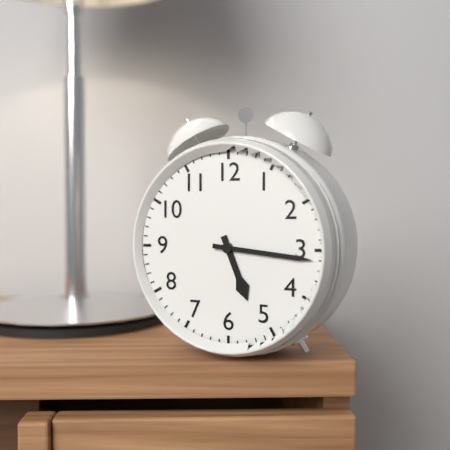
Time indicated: 5:16
